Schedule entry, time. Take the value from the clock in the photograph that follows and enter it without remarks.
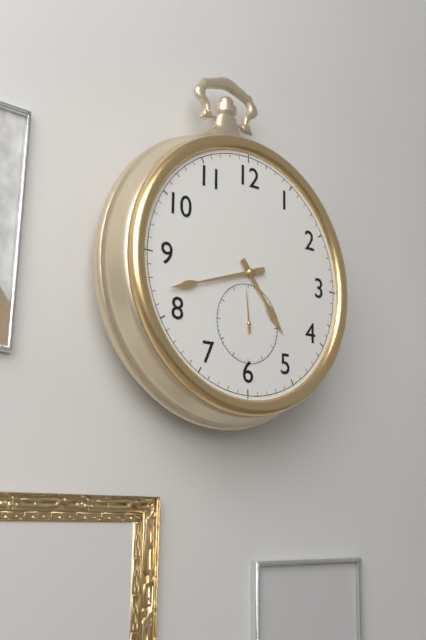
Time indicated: 4:42
